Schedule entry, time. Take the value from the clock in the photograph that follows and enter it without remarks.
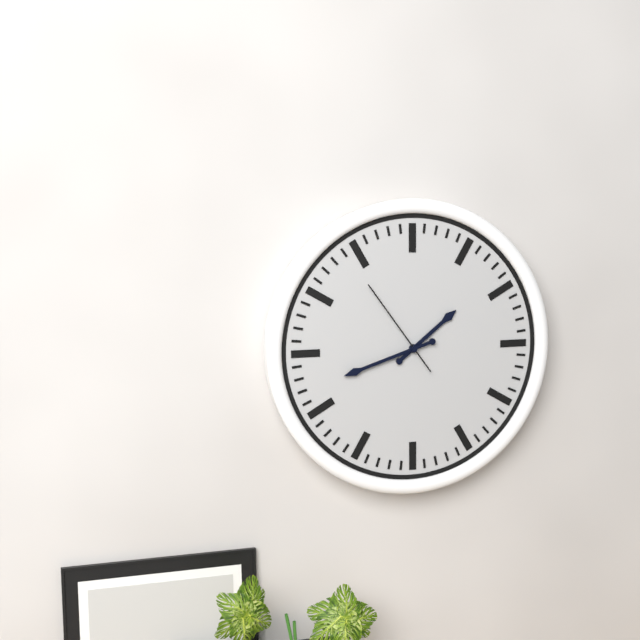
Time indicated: 1:42:54
